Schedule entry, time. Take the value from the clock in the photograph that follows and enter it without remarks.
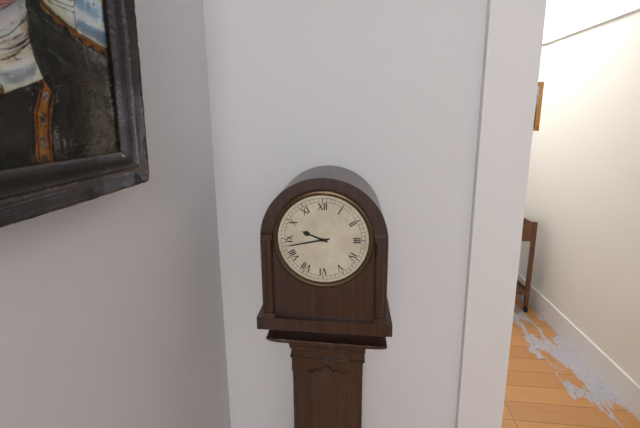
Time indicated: 9:43
